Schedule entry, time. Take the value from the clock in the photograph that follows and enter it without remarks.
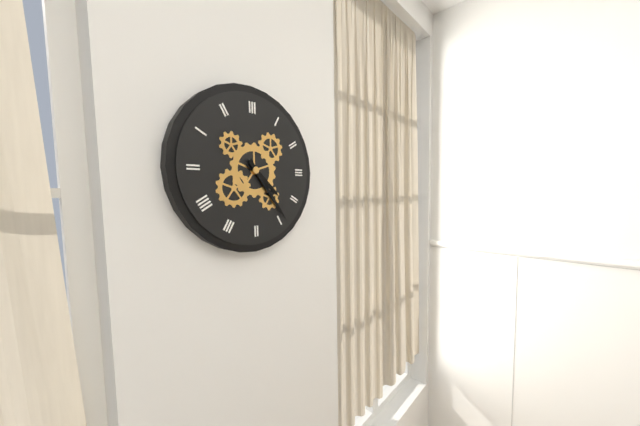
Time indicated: 4:24
